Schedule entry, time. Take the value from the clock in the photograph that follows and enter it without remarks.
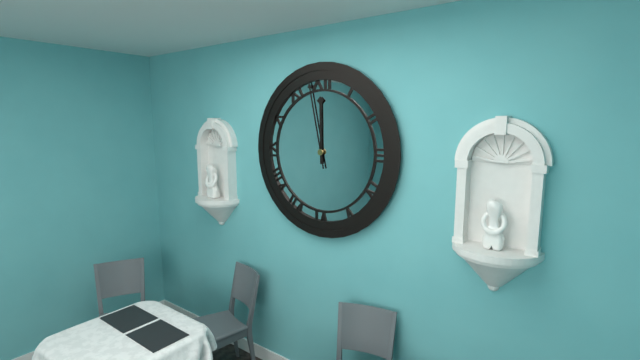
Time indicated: 11:58
